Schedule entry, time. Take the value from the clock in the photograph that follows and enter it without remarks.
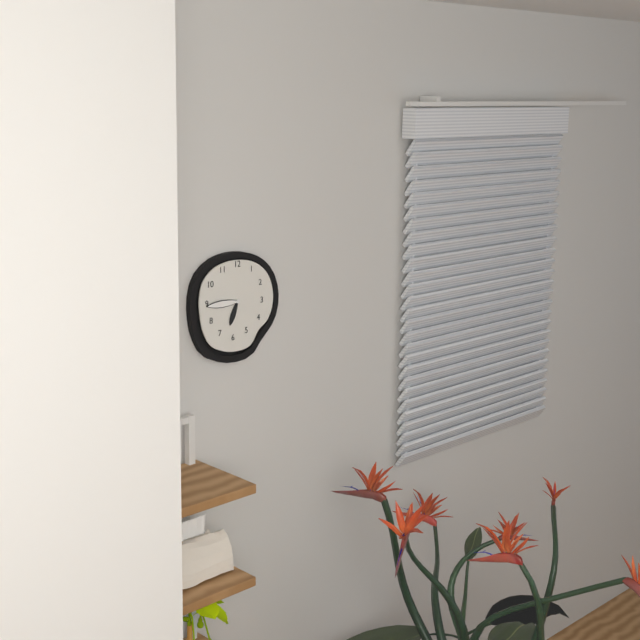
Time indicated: 6:45
